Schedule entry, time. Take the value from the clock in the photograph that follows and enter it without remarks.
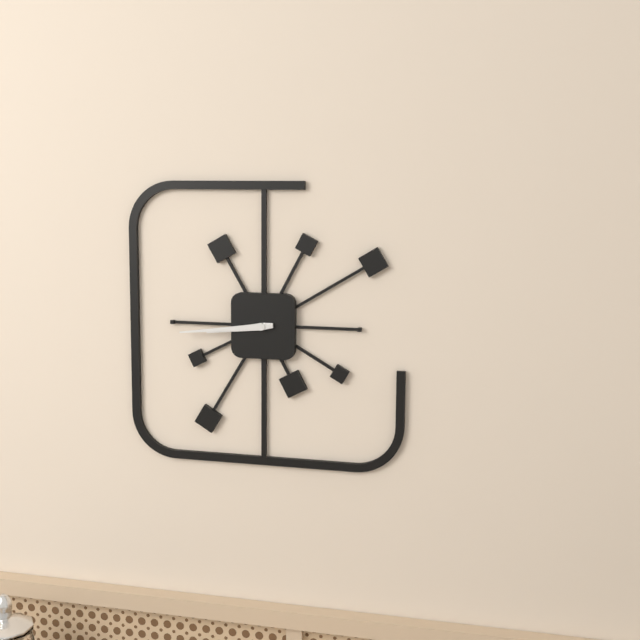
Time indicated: 8:44
